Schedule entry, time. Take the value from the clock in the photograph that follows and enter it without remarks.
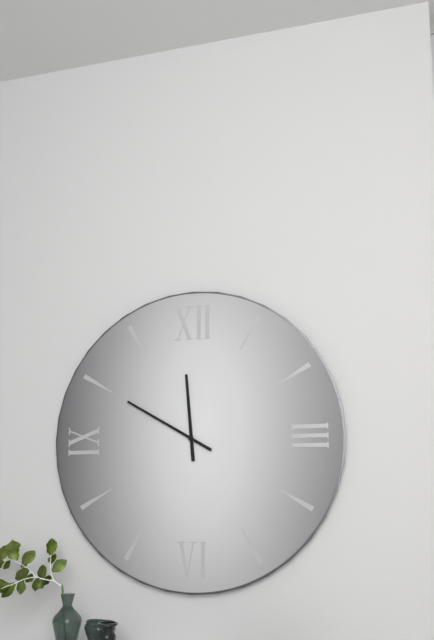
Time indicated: 11:50
